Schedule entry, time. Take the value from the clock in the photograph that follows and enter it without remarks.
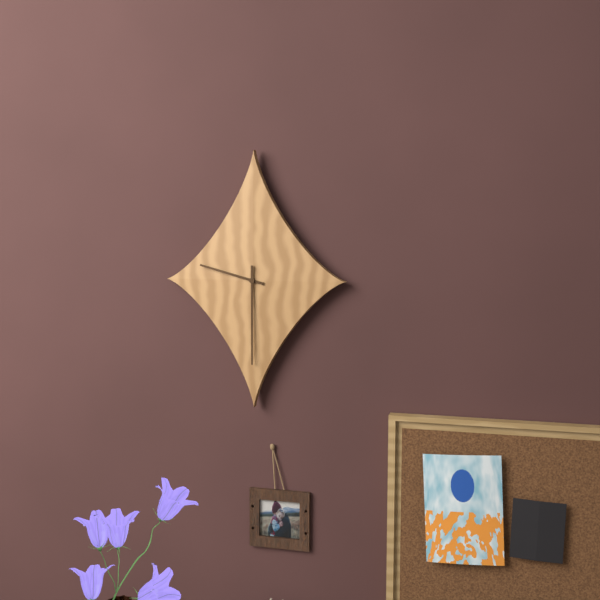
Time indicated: 9:30
